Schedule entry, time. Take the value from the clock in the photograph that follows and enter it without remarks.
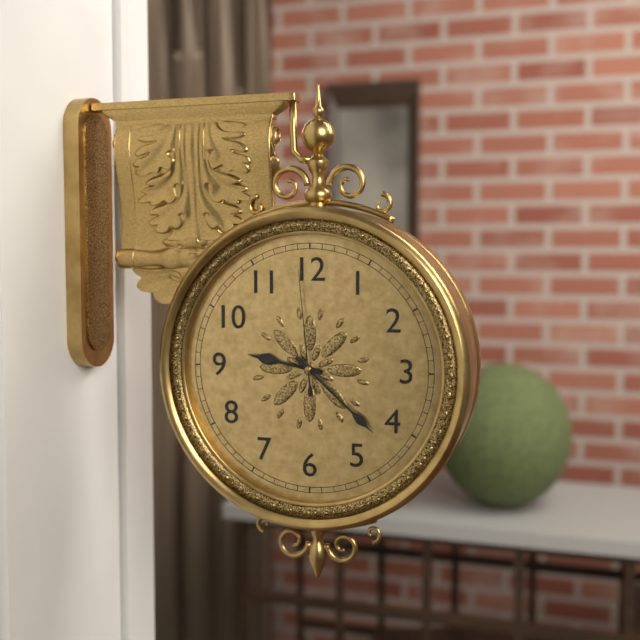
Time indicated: 9:22:59
